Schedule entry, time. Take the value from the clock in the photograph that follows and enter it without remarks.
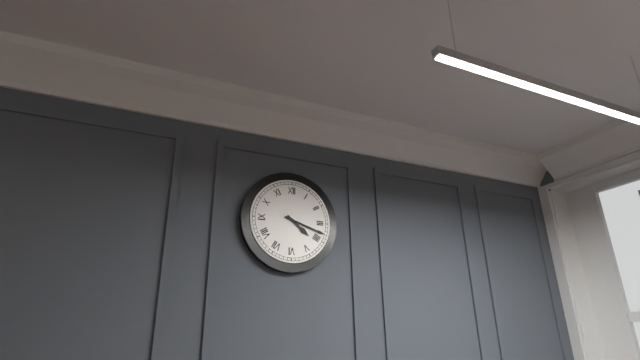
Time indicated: 4:18
